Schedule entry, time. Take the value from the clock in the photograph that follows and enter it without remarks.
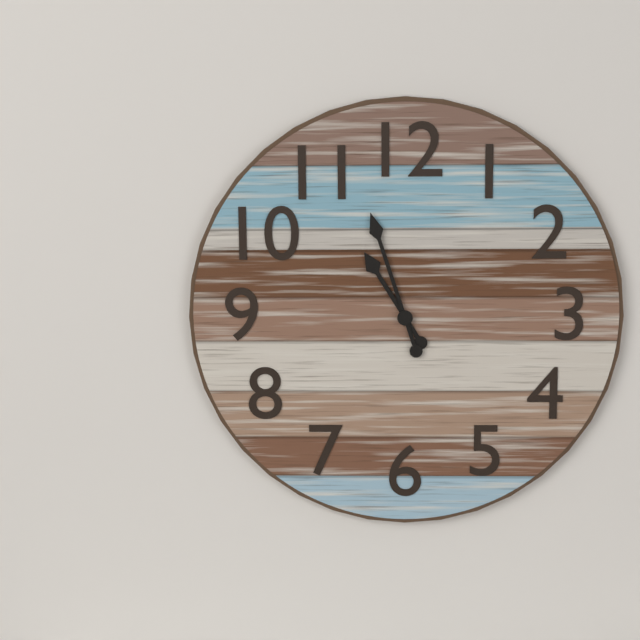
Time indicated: 10:57
